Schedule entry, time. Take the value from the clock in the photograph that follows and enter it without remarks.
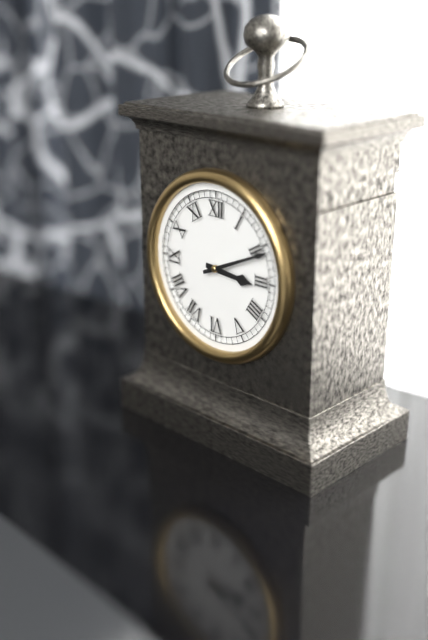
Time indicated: 3:11
